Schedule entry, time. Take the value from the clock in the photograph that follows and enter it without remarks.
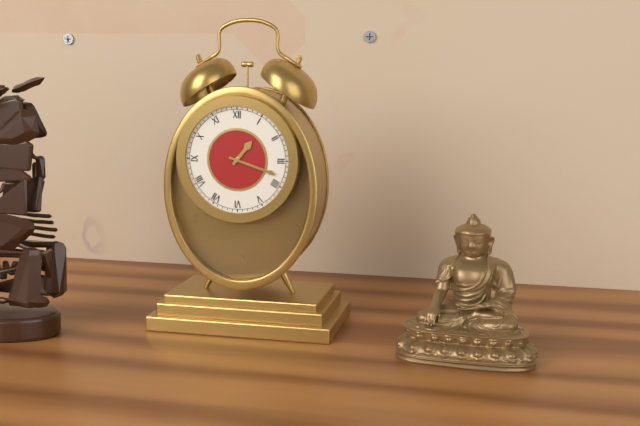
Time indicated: 1:18
